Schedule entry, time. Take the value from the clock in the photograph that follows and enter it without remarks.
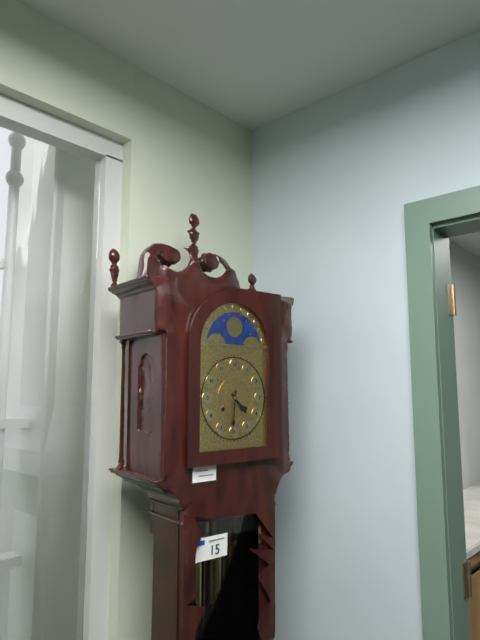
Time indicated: 4:31
